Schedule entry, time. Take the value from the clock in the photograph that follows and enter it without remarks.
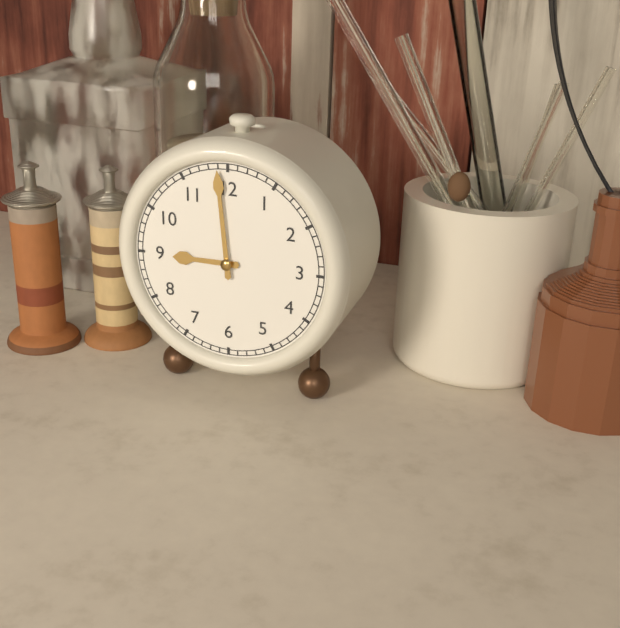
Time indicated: 8:59
